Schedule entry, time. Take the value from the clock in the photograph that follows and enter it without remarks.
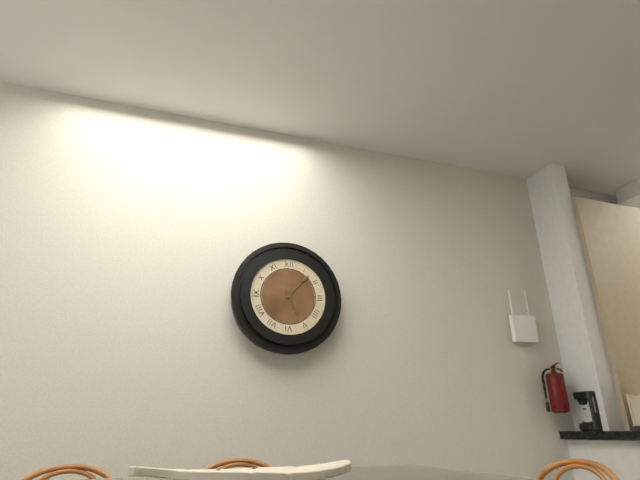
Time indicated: 5:07
